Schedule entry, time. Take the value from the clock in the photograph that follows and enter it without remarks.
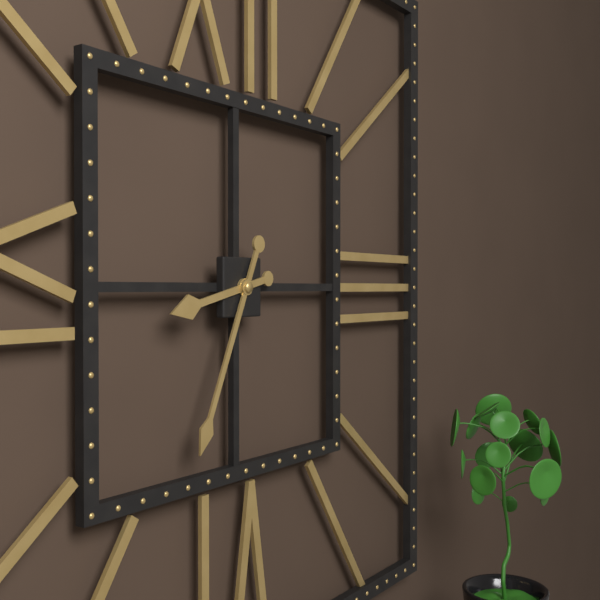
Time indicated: 8:34
